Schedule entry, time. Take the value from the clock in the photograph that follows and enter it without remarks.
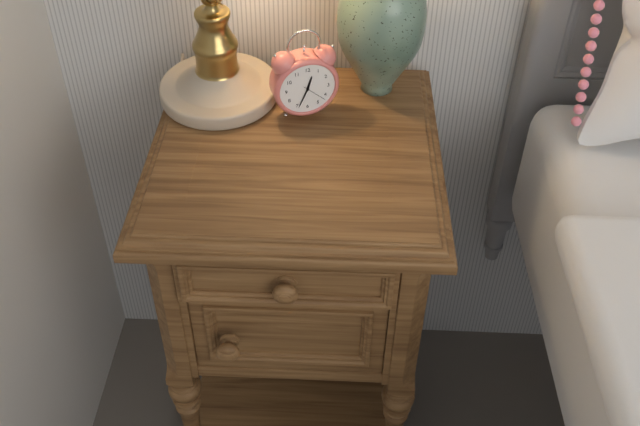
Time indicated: 12:34
